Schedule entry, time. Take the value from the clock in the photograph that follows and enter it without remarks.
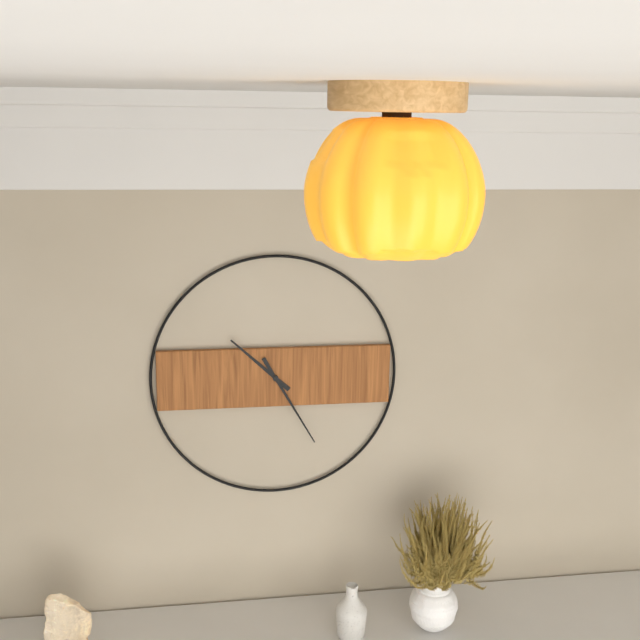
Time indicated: 10:25
